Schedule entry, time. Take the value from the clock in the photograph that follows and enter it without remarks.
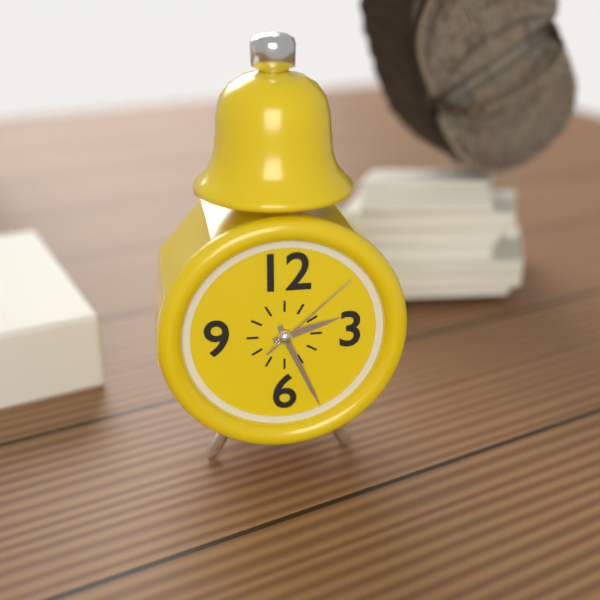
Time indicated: 2:26:08
